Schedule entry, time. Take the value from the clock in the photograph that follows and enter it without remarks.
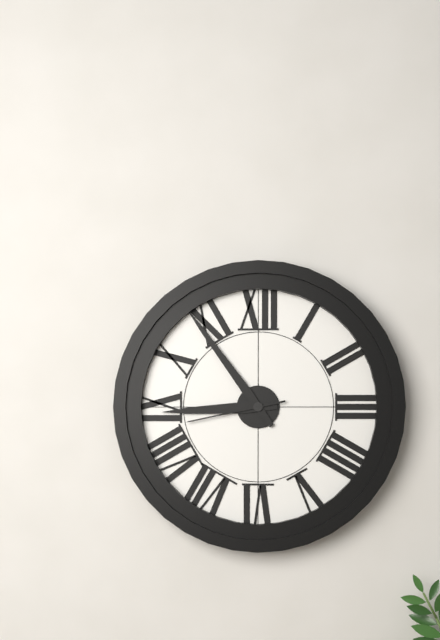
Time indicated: 8:54:43
